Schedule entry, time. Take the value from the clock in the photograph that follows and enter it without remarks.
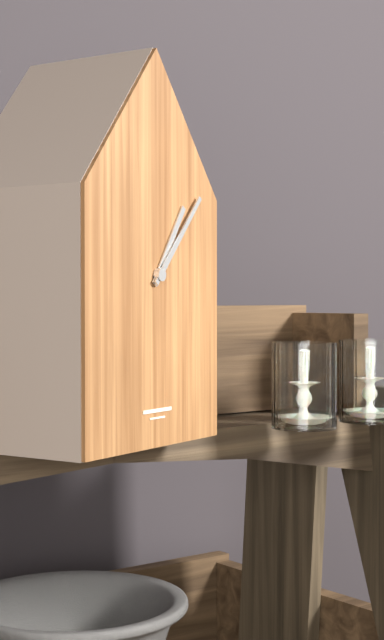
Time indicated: 1:07
